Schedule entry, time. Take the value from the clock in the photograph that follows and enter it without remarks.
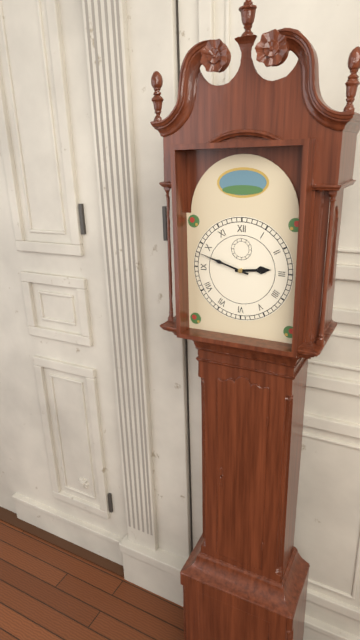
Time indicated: 2:48
